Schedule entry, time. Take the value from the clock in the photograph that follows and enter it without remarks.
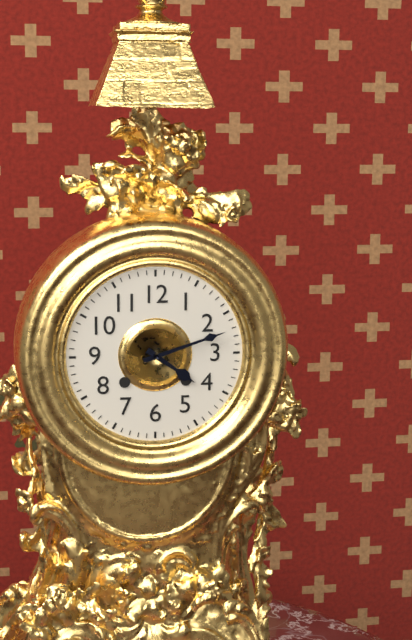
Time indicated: 4:12
